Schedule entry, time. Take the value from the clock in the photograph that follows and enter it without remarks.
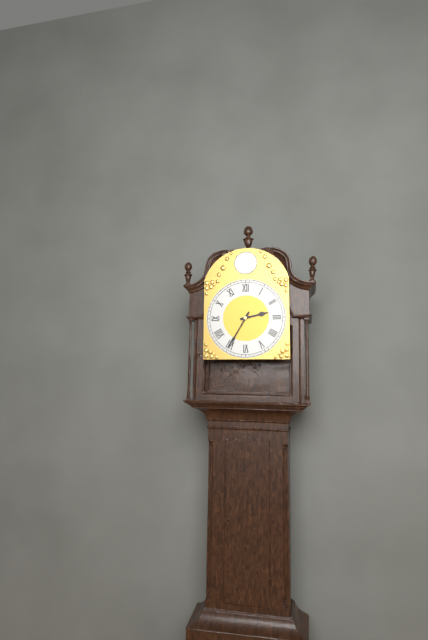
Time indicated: 2:35
